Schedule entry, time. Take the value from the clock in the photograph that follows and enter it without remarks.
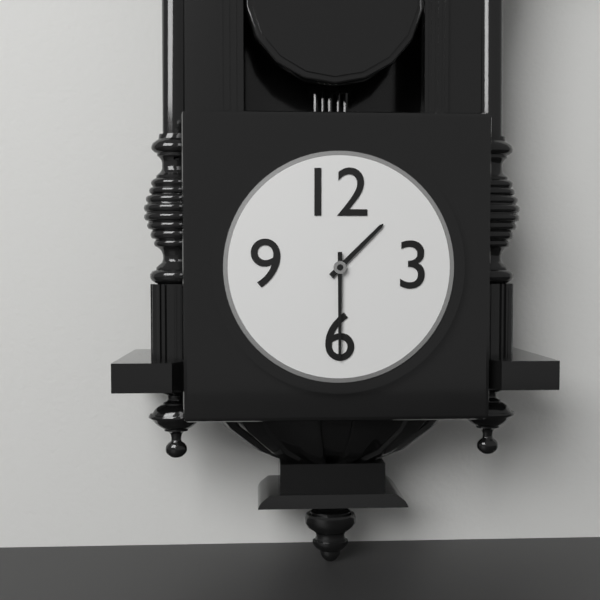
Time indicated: 1:30
